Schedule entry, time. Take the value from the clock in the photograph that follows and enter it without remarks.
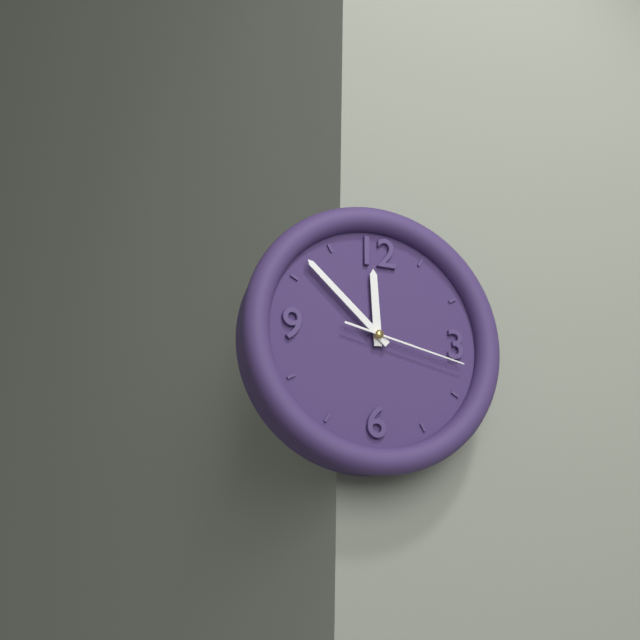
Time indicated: 11:52:17
